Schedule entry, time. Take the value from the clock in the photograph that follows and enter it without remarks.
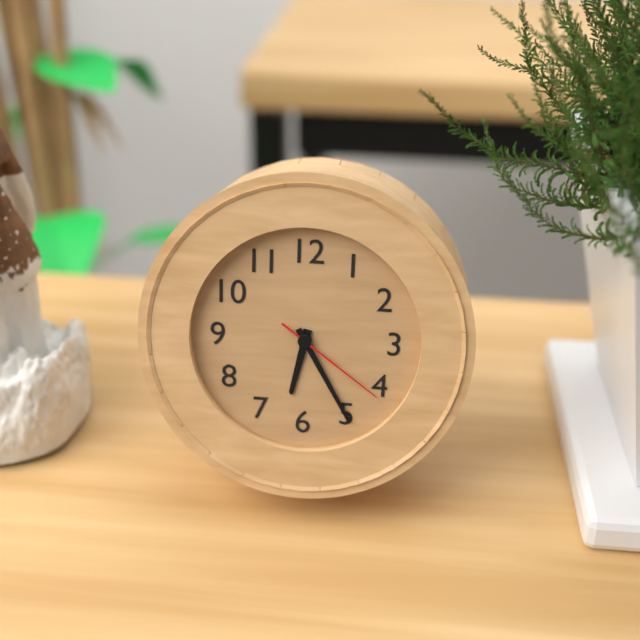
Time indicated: 6:25:21
